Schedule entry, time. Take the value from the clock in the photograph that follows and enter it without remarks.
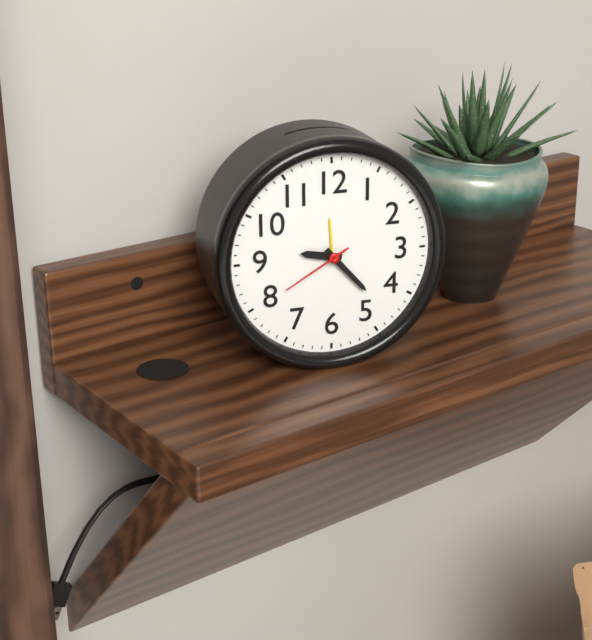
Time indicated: 9:23:40
